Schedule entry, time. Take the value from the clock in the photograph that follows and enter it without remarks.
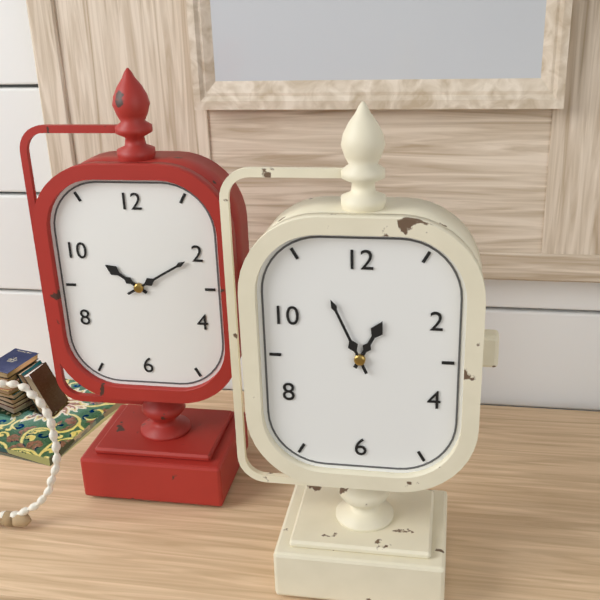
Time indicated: 12:56
